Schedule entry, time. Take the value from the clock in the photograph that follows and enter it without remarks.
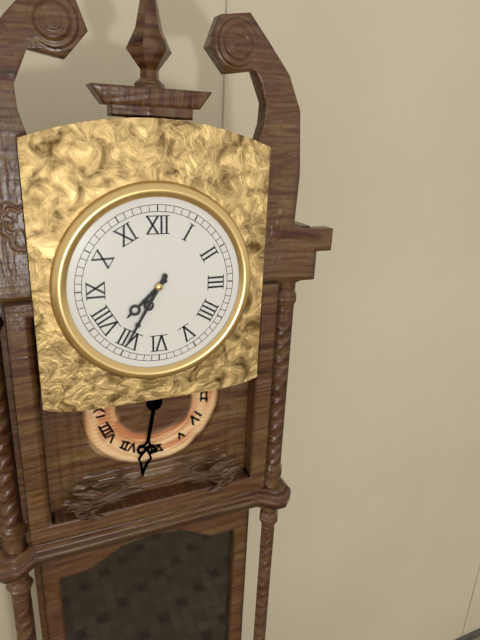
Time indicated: 7:35
